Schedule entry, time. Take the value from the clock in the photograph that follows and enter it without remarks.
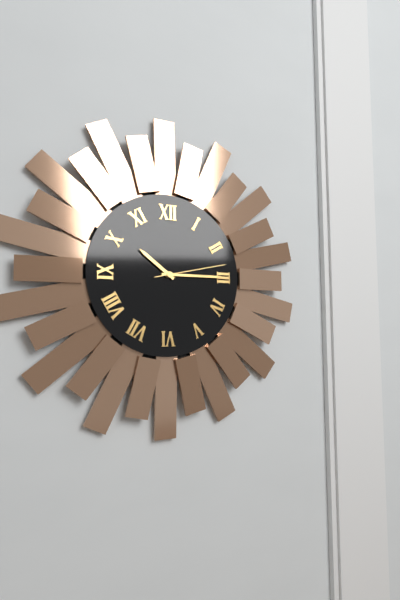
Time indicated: 10:15:13
